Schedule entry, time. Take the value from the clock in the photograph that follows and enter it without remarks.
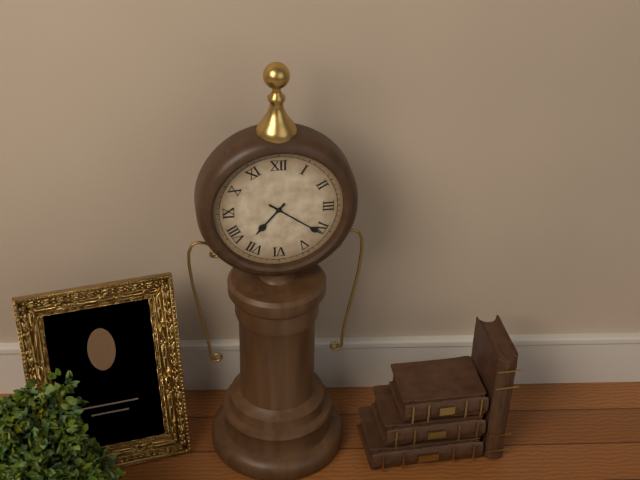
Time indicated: 7:21
